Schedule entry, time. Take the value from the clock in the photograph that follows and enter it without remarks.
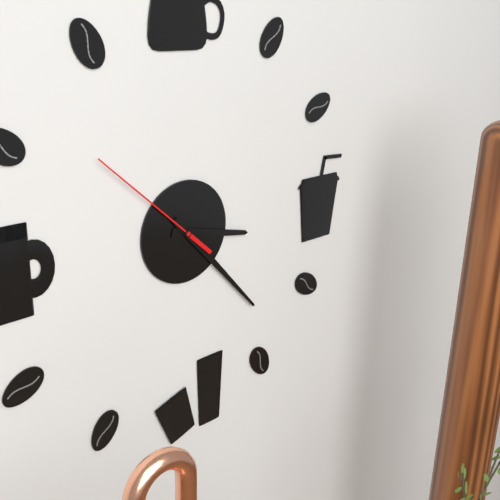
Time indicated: 3:23:52
